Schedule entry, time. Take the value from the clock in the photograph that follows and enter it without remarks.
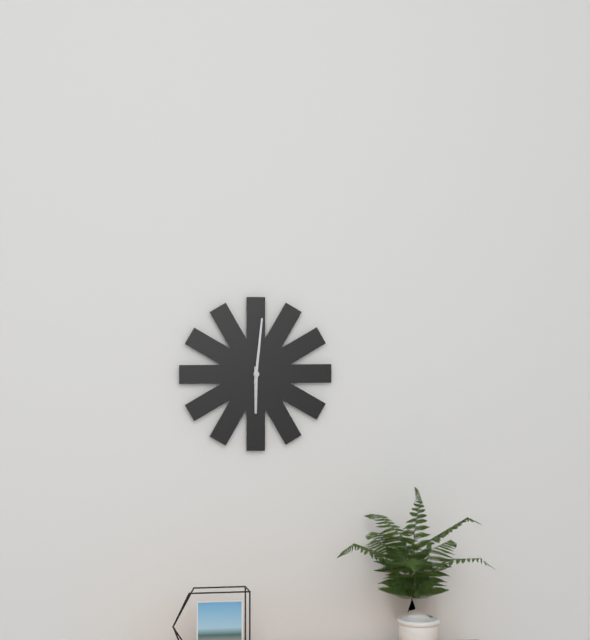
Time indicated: 6:01
